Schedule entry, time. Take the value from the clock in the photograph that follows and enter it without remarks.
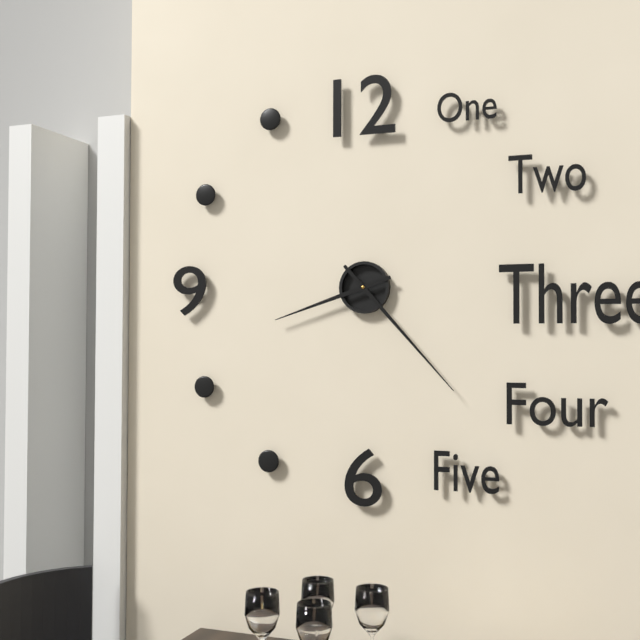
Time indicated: 8:23
